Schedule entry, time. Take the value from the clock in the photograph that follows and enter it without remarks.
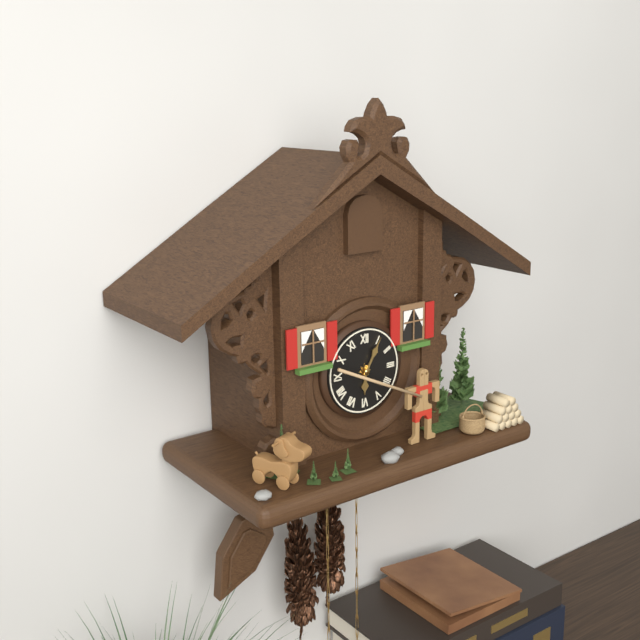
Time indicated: 6:05
